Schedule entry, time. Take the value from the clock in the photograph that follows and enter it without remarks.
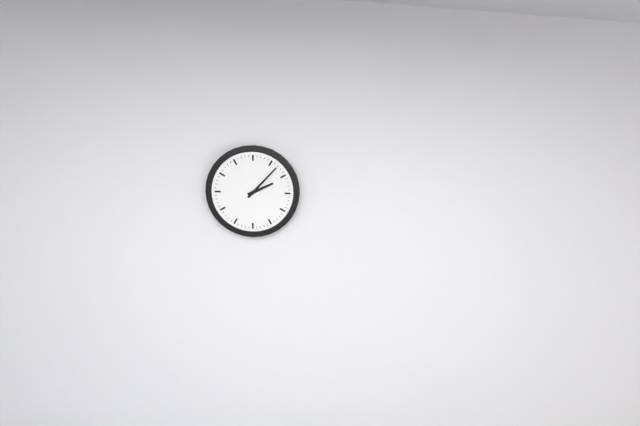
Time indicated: 2:07
